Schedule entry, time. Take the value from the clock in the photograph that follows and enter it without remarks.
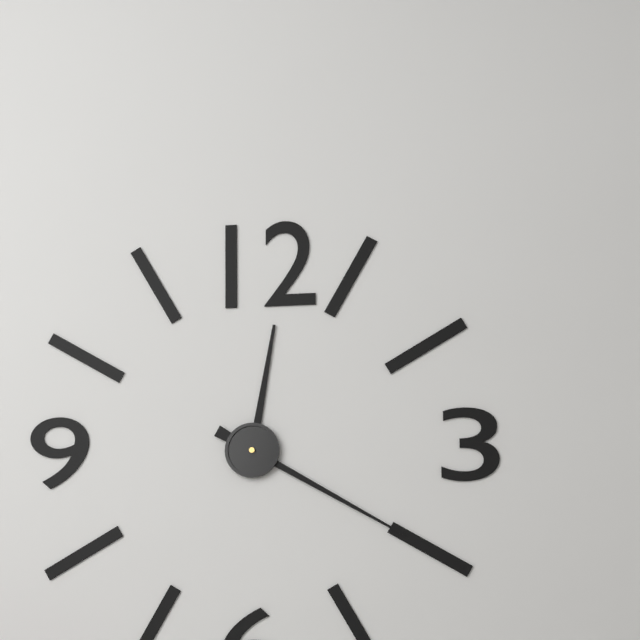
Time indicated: 12:20
